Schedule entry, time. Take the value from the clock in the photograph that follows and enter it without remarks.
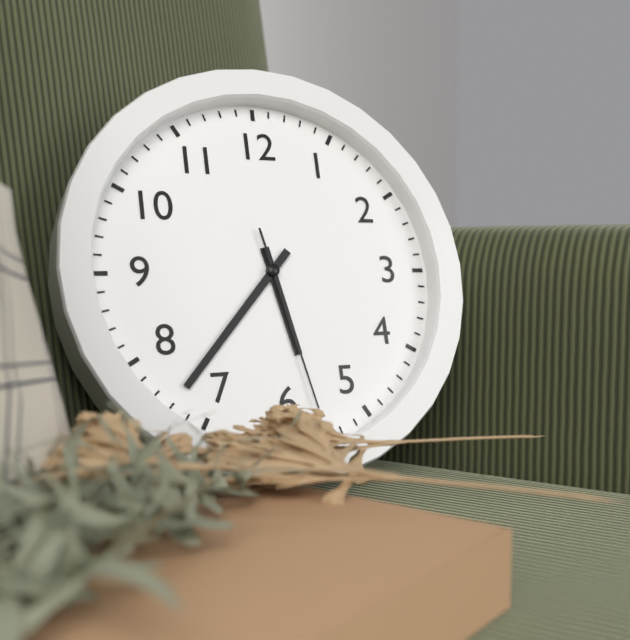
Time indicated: 5:37:28
